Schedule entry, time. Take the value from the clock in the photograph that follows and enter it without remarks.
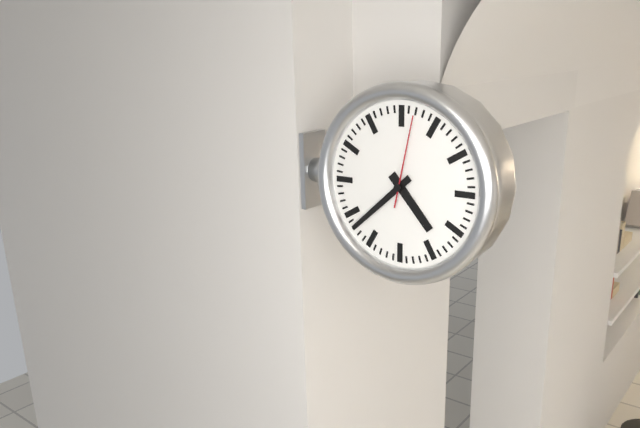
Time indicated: 4:38:02
